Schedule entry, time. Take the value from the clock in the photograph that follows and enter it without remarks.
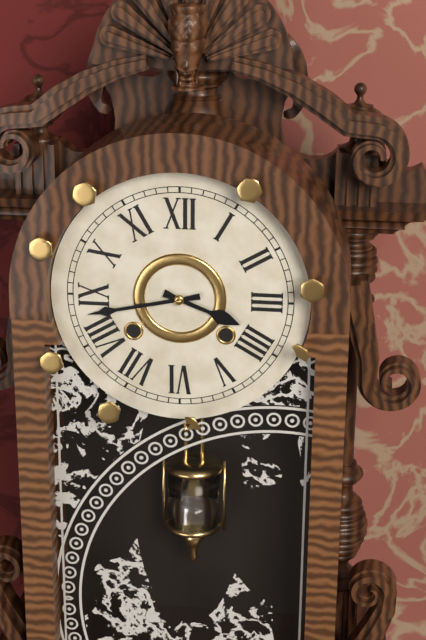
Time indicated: 3:43
